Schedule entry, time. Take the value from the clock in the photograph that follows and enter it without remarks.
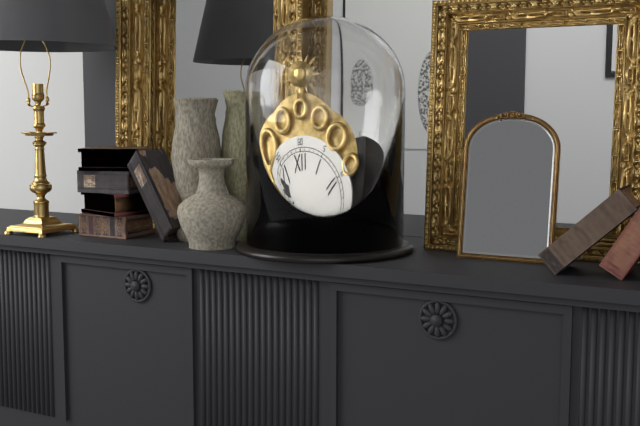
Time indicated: 6:37
